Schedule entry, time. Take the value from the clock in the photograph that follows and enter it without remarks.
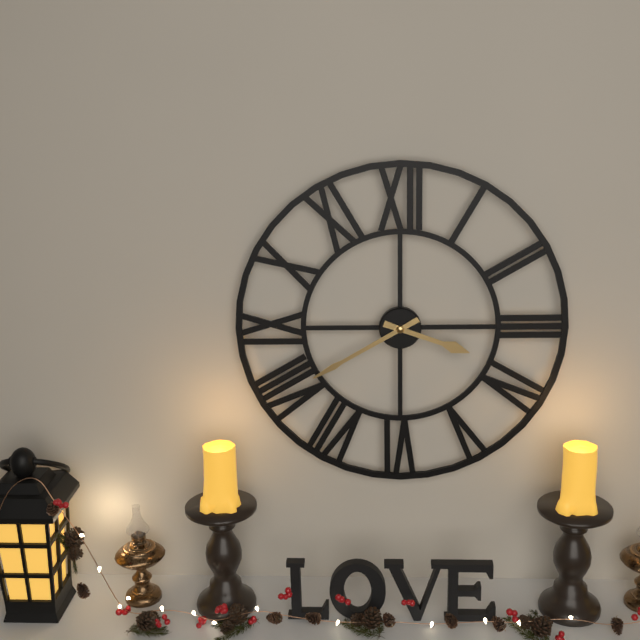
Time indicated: 3:40
